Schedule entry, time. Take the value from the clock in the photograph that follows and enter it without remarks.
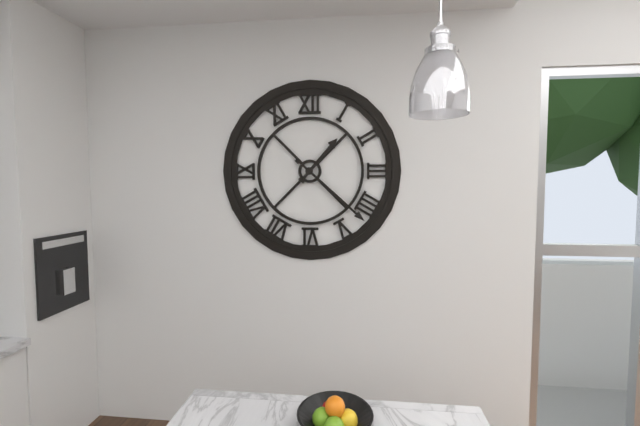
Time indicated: 1:22
